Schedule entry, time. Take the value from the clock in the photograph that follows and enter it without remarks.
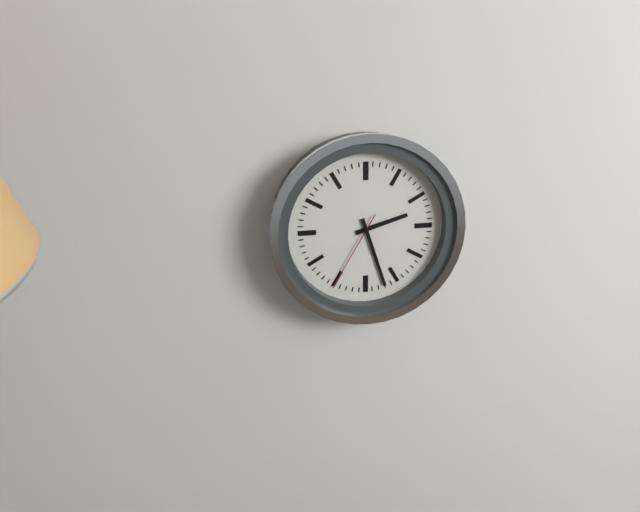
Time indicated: 2:27:35
